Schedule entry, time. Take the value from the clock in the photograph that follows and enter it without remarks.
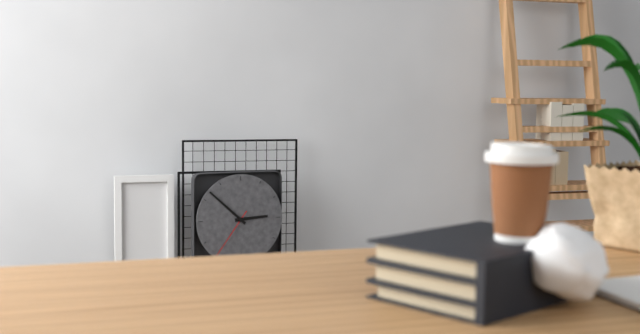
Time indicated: 2:52:36
